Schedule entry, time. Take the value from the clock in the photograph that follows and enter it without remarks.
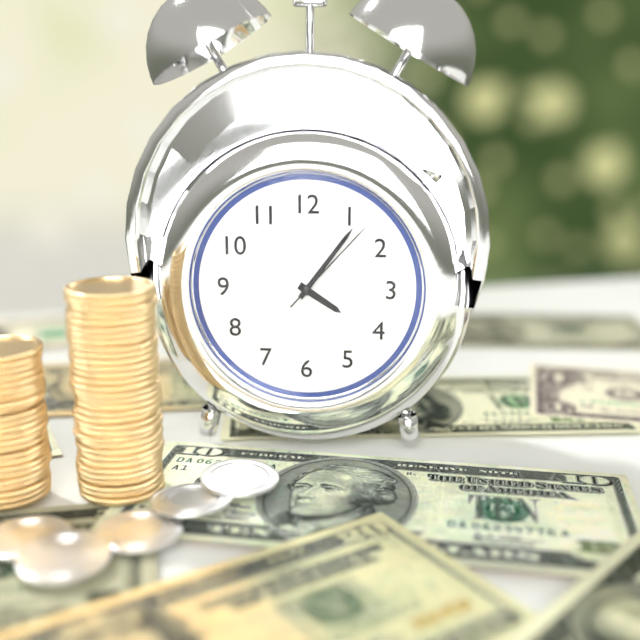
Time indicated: 4:06:07
